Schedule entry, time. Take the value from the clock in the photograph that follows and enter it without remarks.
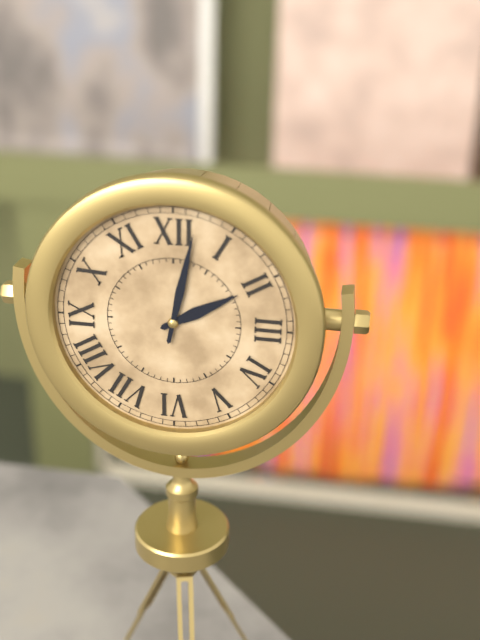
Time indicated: 2:02
